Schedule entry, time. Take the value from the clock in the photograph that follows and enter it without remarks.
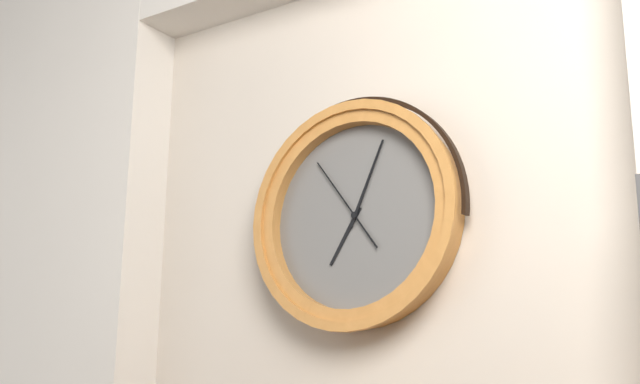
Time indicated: 7:04:54
